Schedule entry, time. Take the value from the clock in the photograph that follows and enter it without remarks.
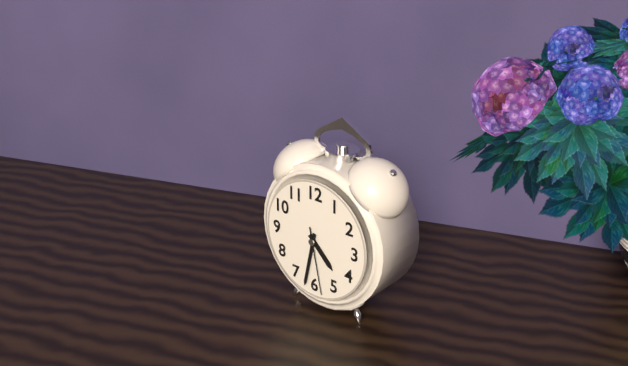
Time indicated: 4:32:28
